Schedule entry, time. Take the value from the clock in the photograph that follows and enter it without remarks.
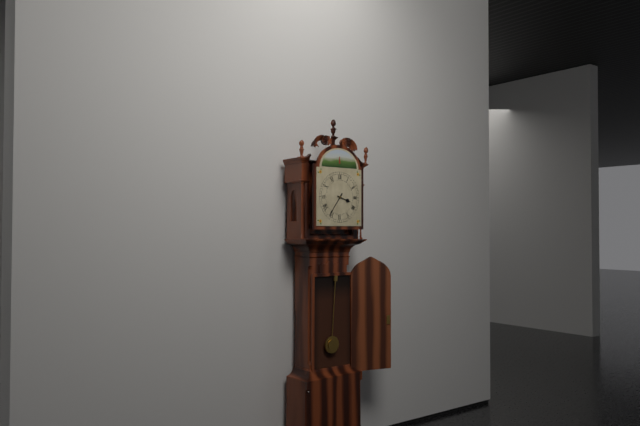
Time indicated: 3:36
